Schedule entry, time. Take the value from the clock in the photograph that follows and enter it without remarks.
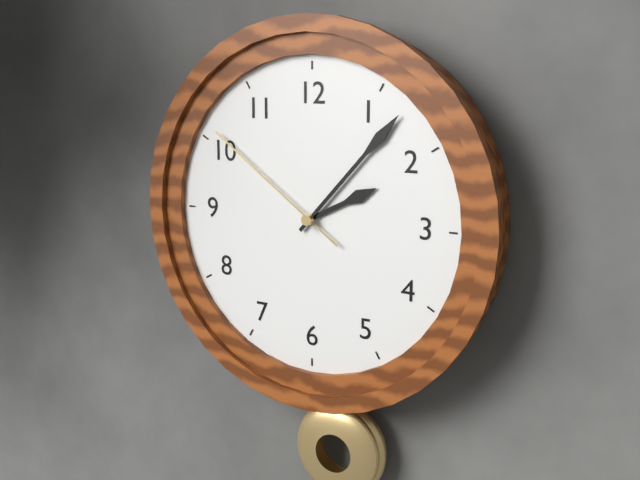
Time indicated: 2:07:51
